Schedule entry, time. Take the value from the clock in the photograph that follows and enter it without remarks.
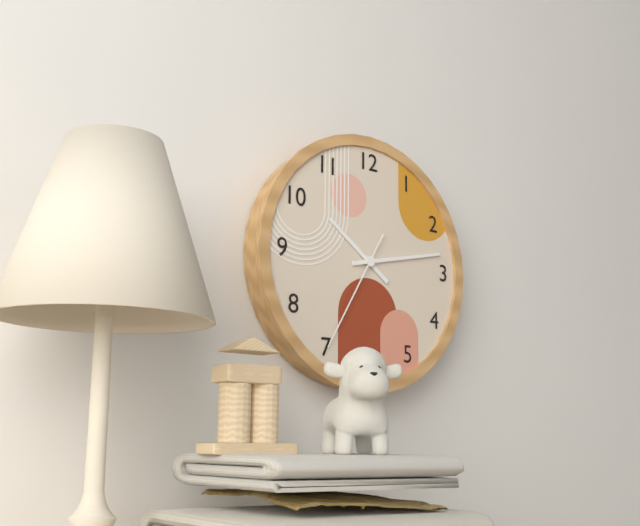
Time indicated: 10:13:35
